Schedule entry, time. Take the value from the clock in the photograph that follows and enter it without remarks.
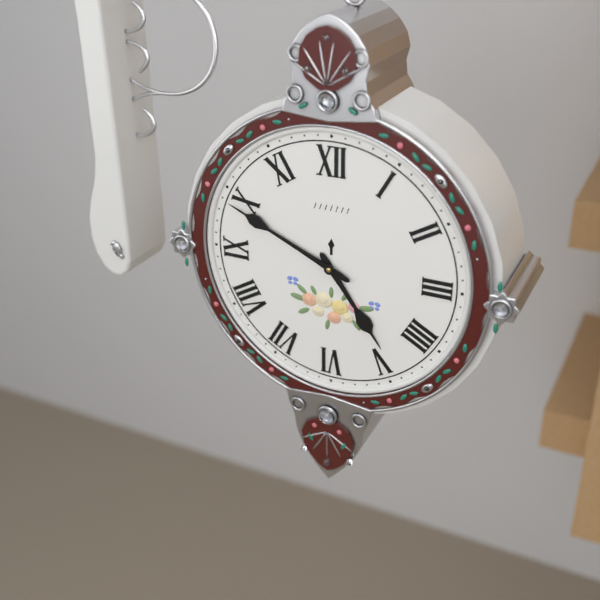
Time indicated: 4:49
